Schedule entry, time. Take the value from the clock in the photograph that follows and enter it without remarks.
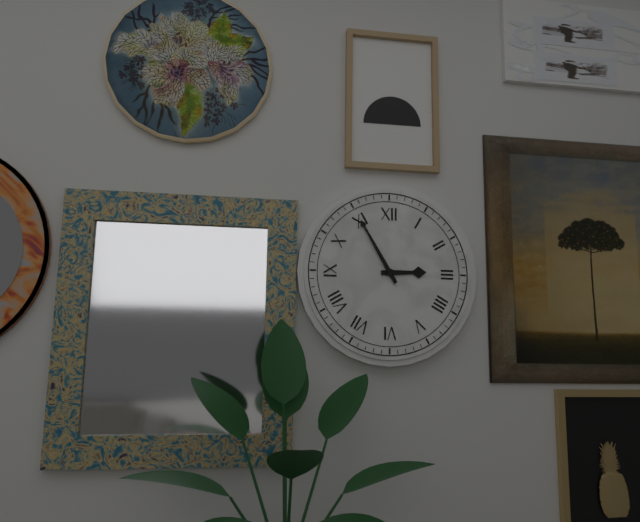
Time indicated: 2:55
